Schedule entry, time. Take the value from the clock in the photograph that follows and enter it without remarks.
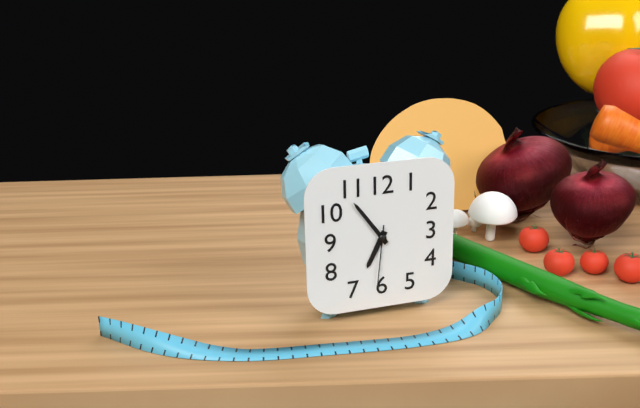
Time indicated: 6:54:31
